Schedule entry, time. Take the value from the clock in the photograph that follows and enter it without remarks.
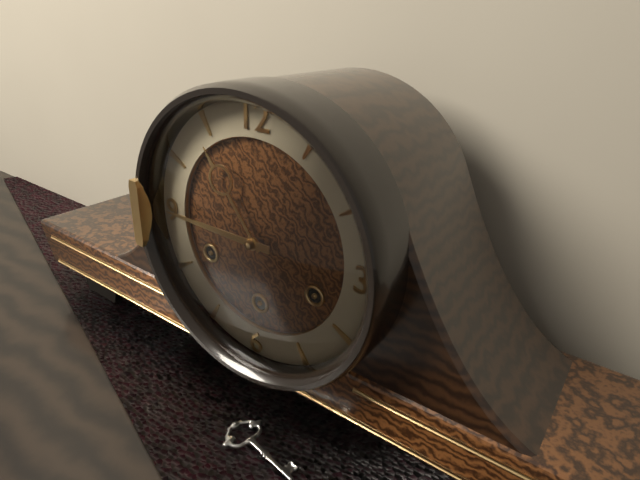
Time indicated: 10:45
